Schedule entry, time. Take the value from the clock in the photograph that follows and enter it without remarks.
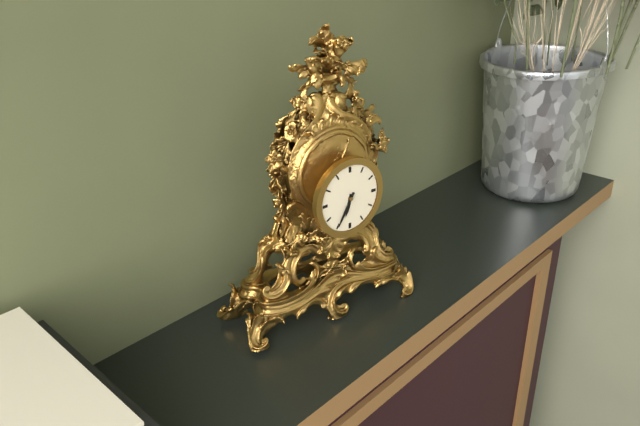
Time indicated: 6:35
